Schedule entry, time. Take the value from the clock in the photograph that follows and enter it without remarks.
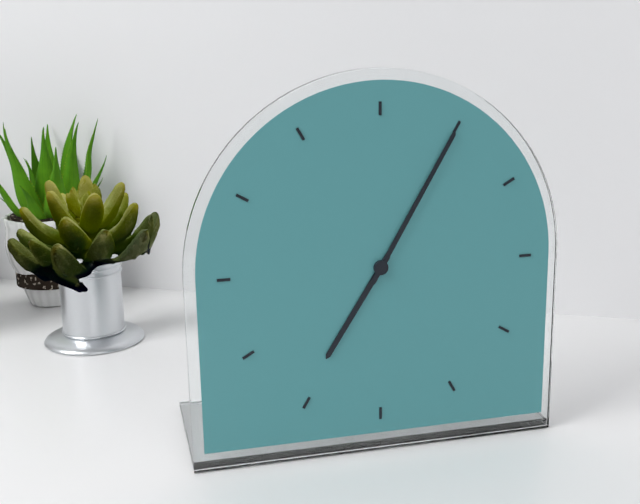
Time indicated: 7:05
